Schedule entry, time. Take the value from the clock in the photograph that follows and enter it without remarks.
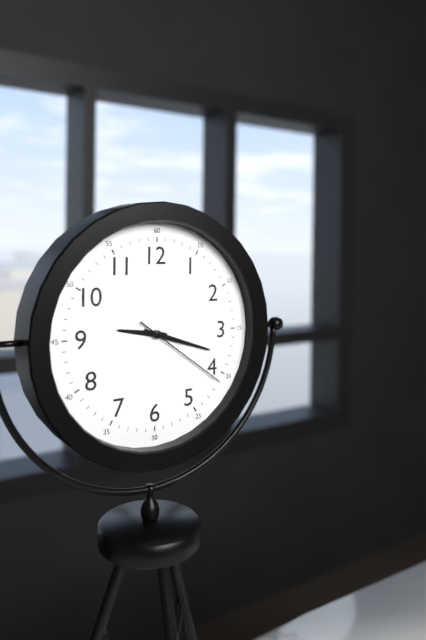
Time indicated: 9:18:21
